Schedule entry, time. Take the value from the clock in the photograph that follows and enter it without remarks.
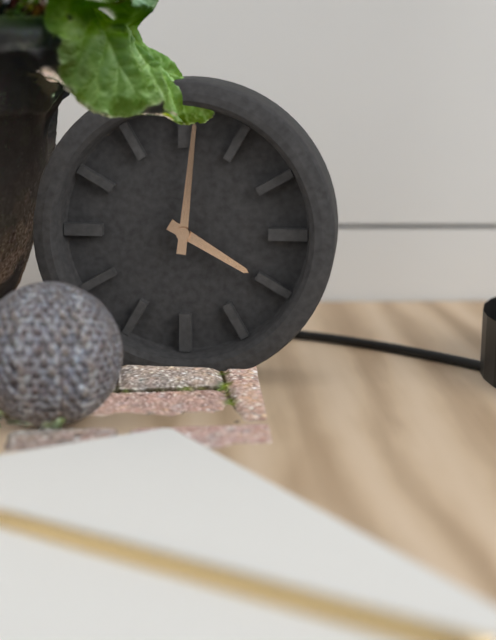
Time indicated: 4:01
